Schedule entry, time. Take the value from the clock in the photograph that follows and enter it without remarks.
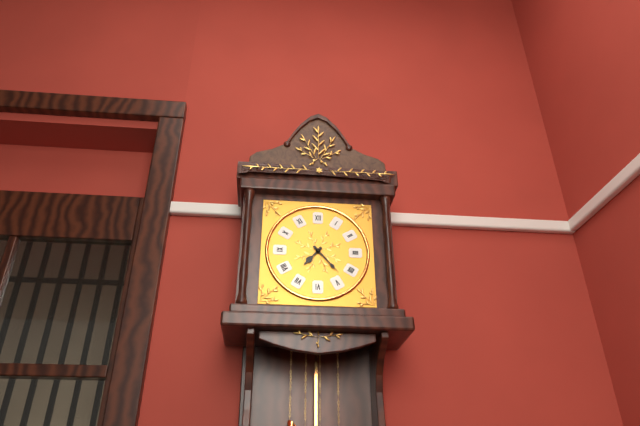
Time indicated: 7:23
